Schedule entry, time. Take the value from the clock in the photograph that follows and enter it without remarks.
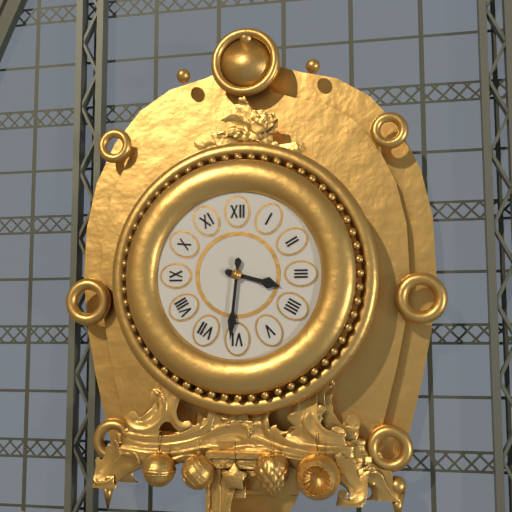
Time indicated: 3:31
